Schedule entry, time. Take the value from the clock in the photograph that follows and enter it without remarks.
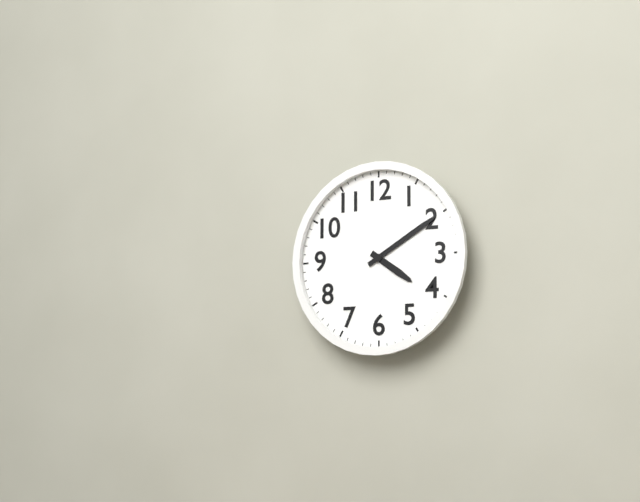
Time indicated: 4:10
